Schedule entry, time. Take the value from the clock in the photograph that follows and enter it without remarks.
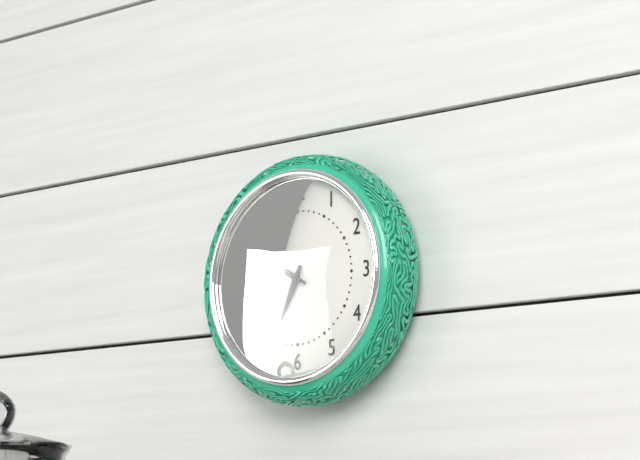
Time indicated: 6:50
